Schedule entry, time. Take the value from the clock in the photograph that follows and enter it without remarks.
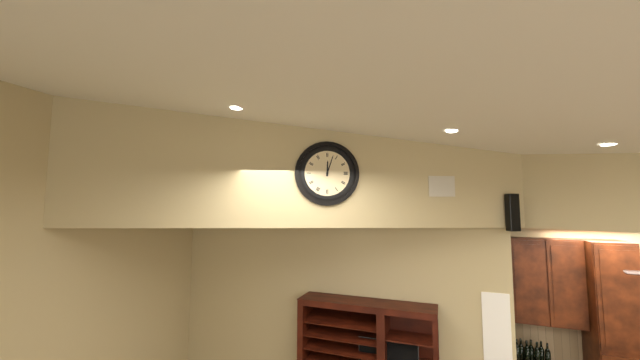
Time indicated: 12:03
